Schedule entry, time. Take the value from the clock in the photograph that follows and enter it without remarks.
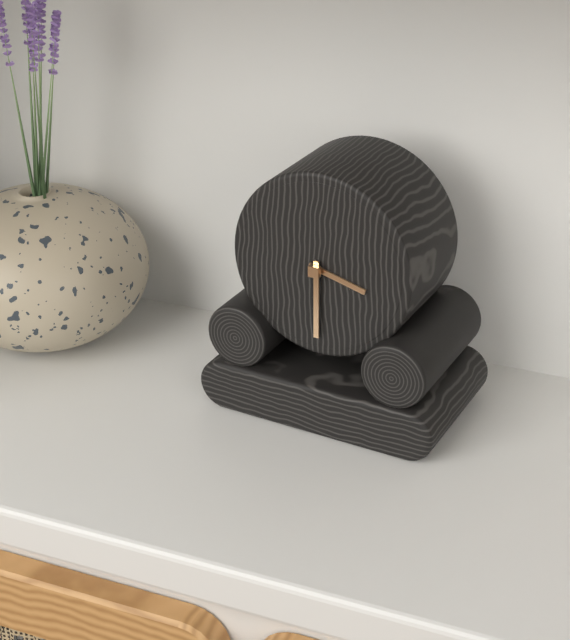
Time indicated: 3:30
